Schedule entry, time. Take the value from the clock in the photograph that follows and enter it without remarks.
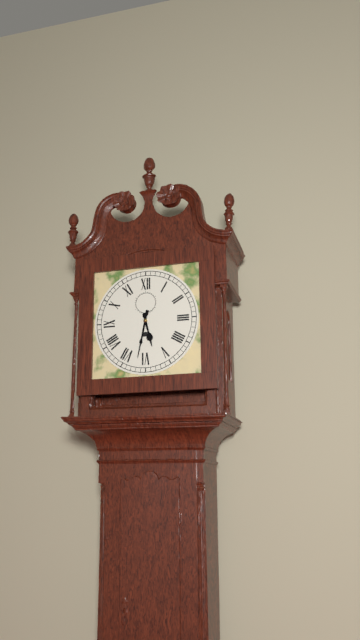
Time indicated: 5:32
